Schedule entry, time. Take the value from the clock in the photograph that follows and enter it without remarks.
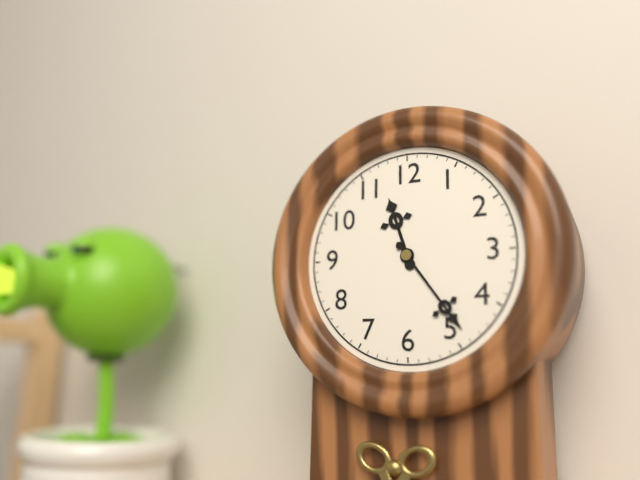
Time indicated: 11:24
